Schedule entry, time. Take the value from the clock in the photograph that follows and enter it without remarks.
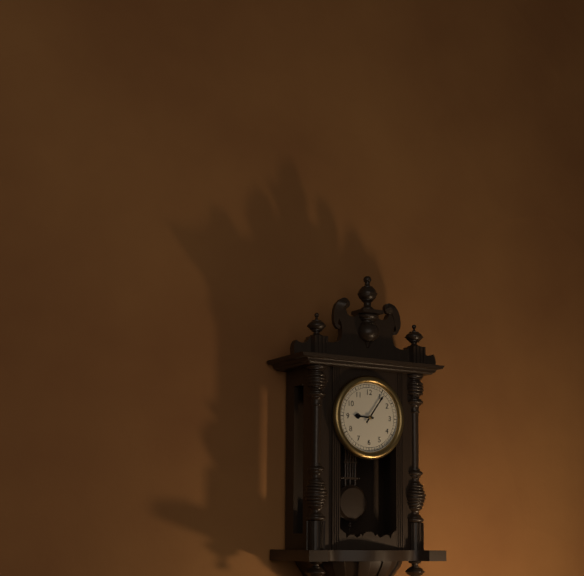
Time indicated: 9:06
